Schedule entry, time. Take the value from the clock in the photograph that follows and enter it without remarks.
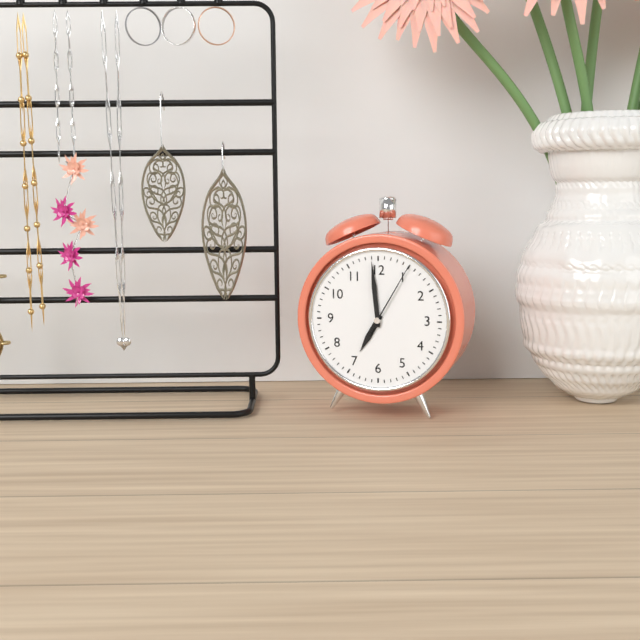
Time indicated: 6:59:05
